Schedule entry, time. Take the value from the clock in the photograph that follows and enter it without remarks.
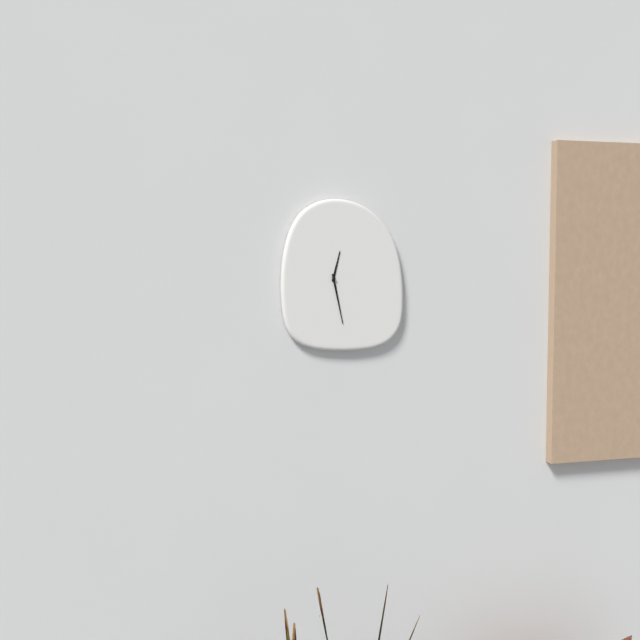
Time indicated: 12:28
